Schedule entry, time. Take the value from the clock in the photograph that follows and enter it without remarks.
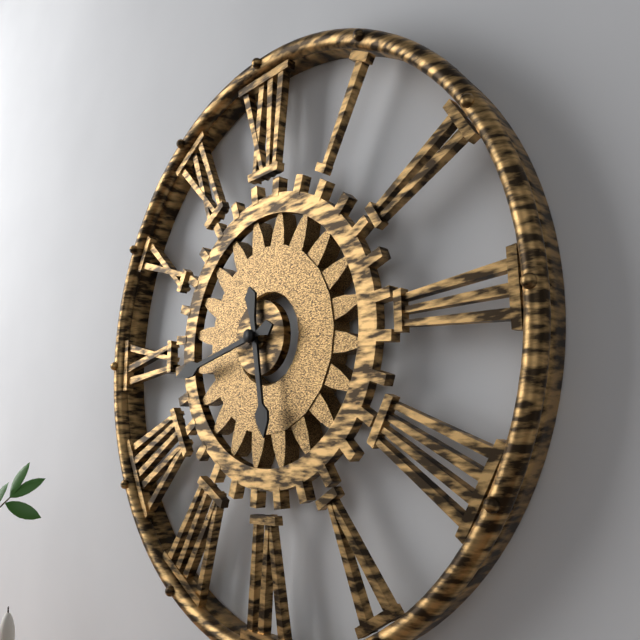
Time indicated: 5:43
